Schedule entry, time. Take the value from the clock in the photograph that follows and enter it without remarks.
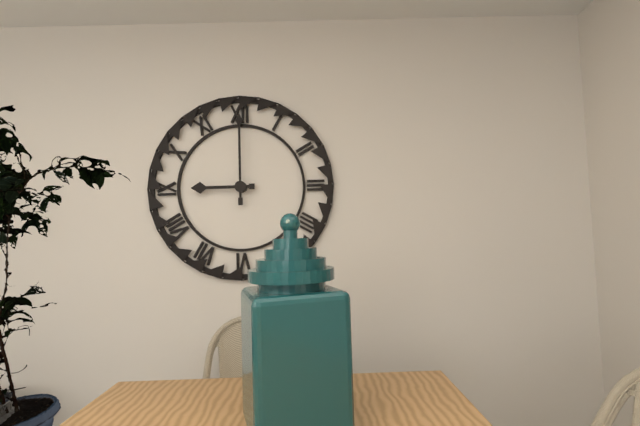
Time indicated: 9:00
